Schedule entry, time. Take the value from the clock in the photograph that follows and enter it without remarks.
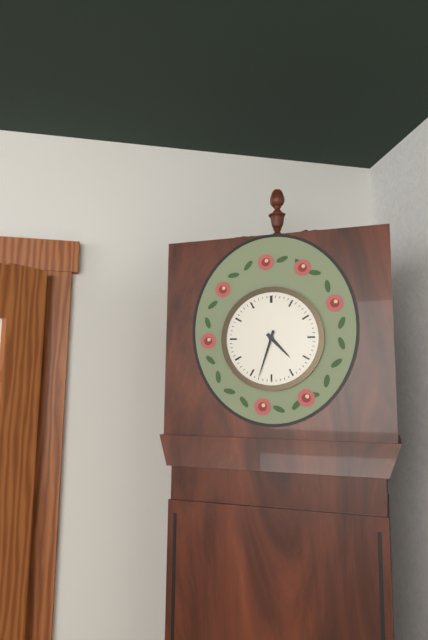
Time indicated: 4:33
